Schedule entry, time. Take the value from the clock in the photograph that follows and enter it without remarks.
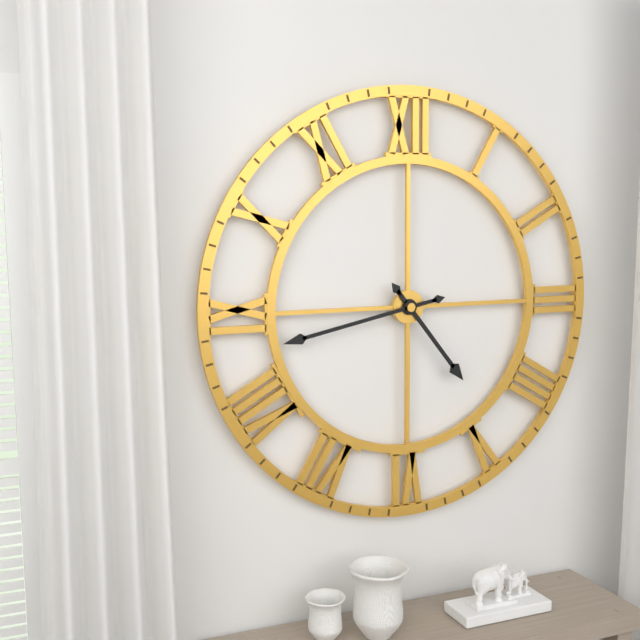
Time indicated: 4:43
